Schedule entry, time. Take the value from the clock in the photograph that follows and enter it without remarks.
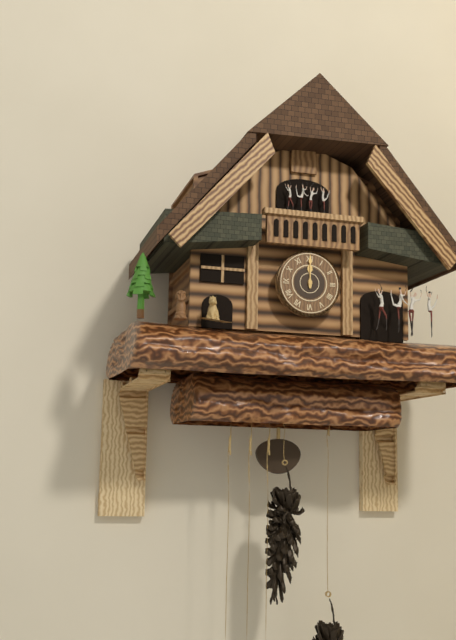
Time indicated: 12:00
